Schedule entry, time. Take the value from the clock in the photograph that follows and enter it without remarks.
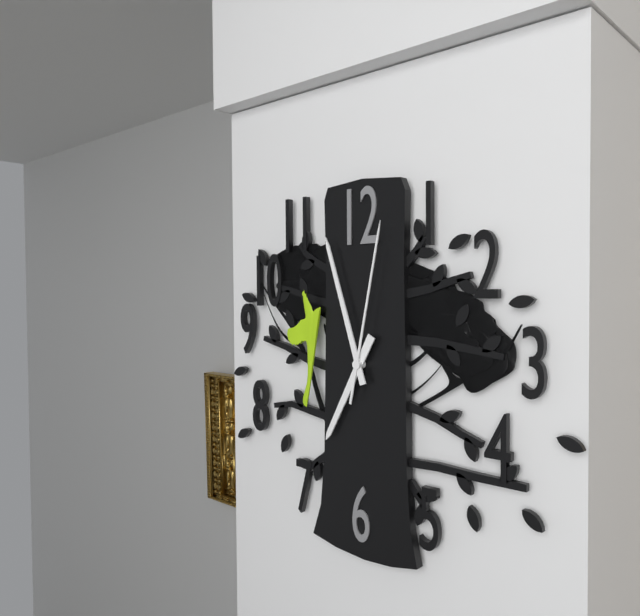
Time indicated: 6:57:02
